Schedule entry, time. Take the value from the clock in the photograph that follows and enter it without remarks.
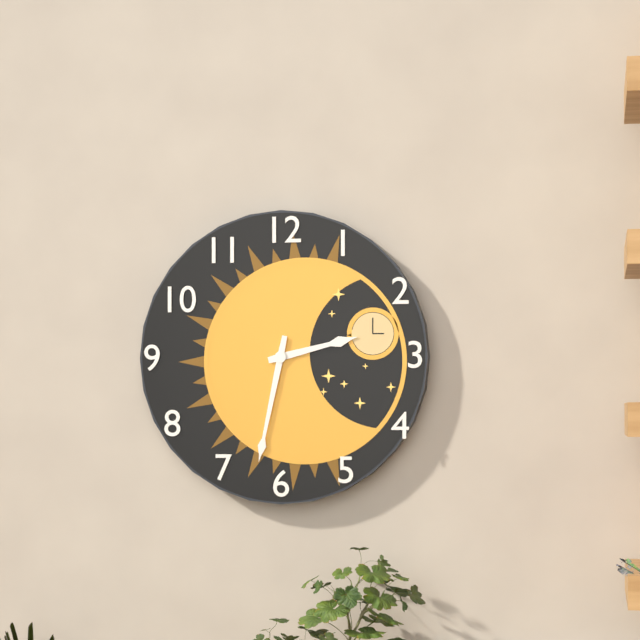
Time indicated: 2:32
